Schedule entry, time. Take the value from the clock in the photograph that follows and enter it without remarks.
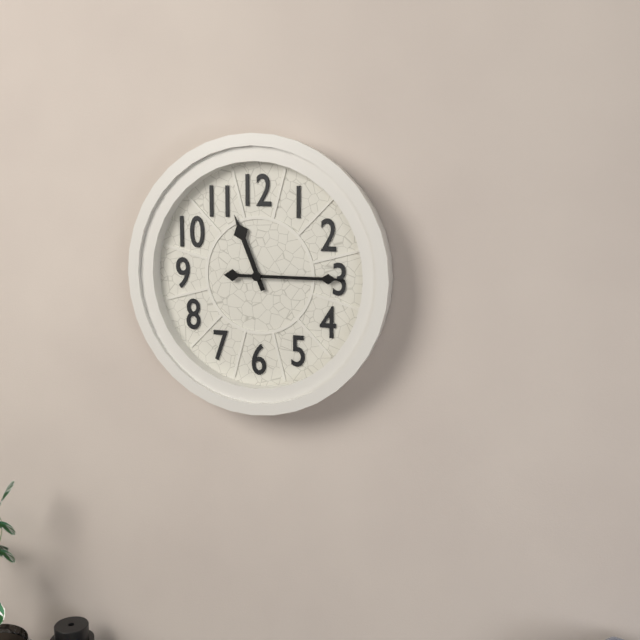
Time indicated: 11:15
